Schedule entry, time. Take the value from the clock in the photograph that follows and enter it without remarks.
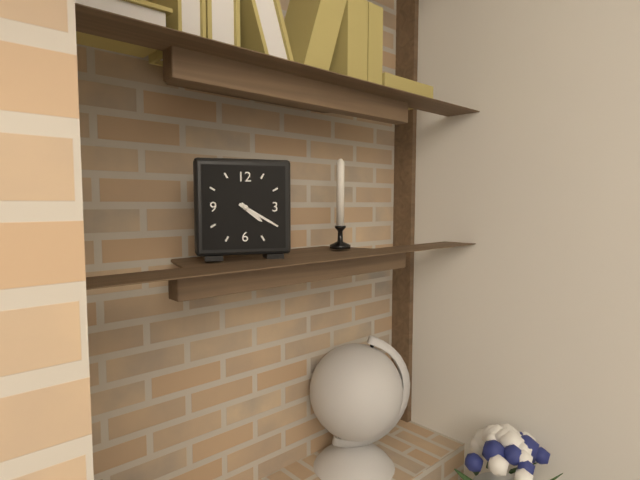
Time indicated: 4:20
